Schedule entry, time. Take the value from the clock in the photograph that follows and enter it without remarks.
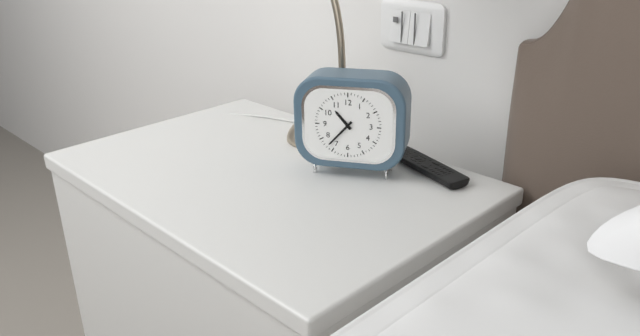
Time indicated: 10:37
